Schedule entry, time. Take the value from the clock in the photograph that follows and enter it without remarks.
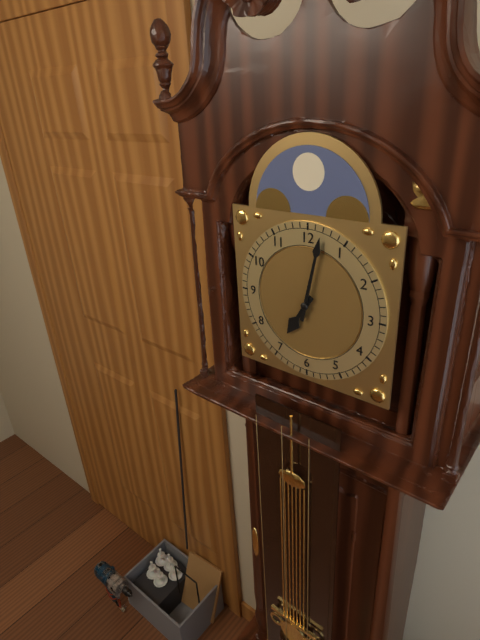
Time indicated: 7:02
